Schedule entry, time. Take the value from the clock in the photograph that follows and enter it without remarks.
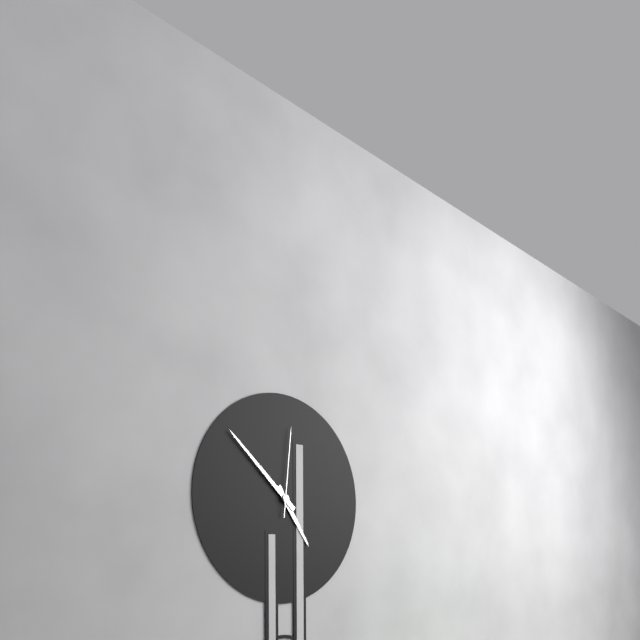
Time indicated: 4:52:01
